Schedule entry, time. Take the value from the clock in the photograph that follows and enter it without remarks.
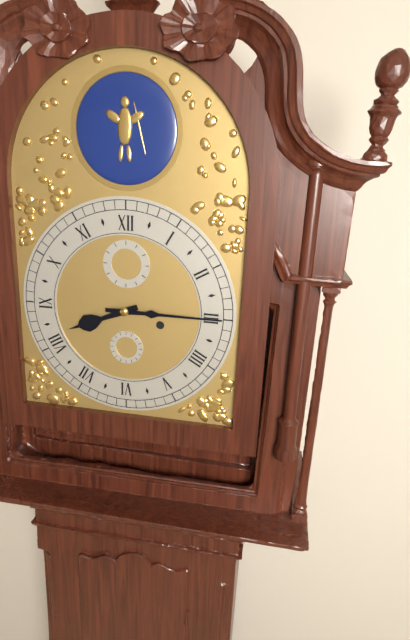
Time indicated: 8:15
